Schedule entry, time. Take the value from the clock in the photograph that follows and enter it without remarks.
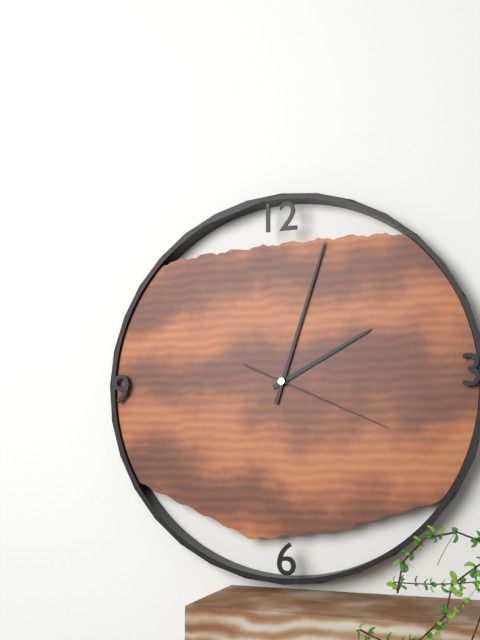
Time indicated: 2:03:19
